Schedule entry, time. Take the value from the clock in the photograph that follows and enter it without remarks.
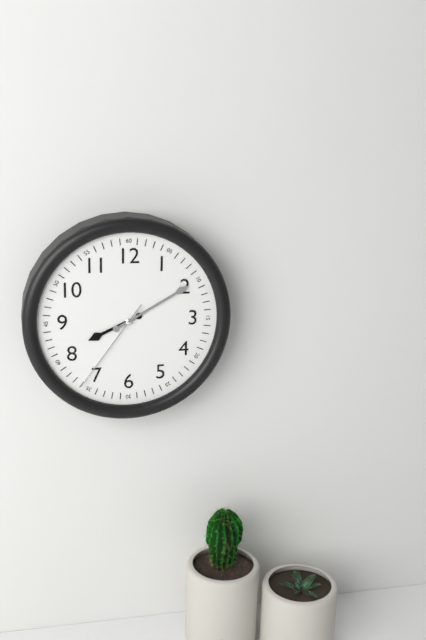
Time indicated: 8:10:36
